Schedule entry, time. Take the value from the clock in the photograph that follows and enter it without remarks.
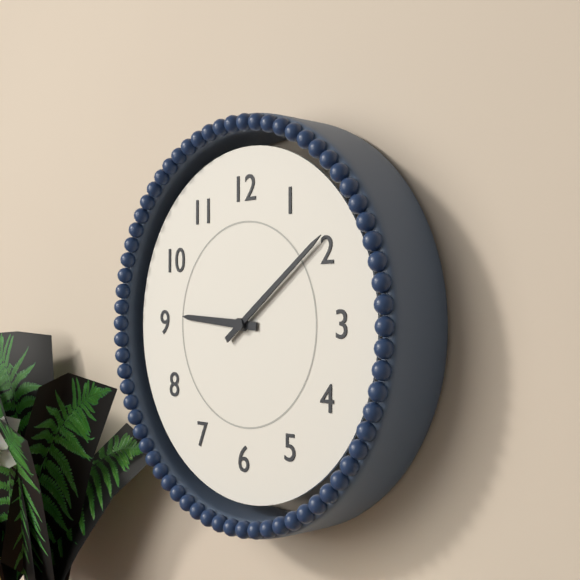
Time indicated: 9:09
